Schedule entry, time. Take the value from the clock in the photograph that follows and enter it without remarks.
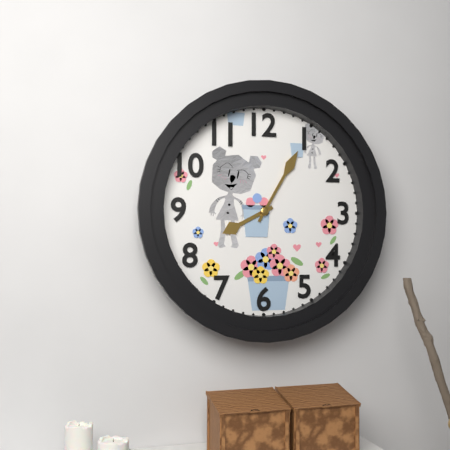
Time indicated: 8:05
